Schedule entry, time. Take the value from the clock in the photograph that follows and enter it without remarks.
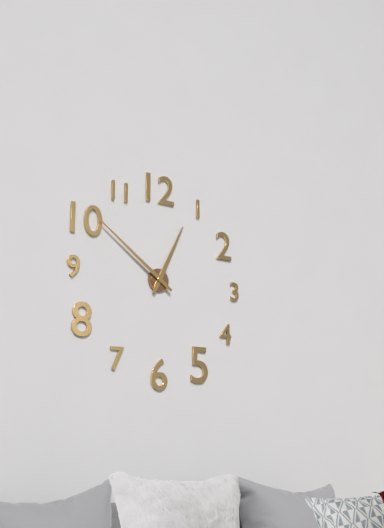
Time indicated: 12:51
